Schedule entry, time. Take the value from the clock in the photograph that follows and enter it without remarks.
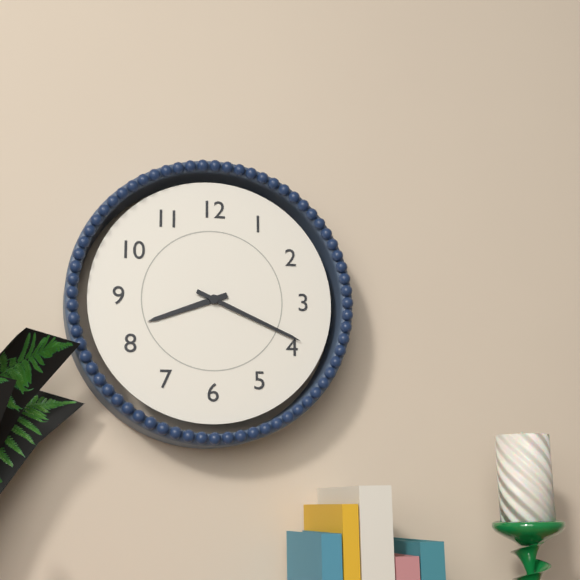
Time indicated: 8:19
